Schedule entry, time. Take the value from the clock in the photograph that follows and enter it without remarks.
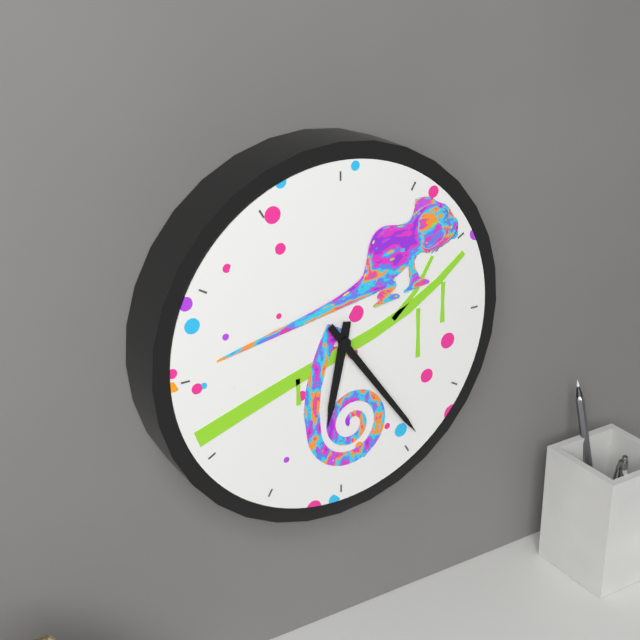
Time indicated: 6:24
